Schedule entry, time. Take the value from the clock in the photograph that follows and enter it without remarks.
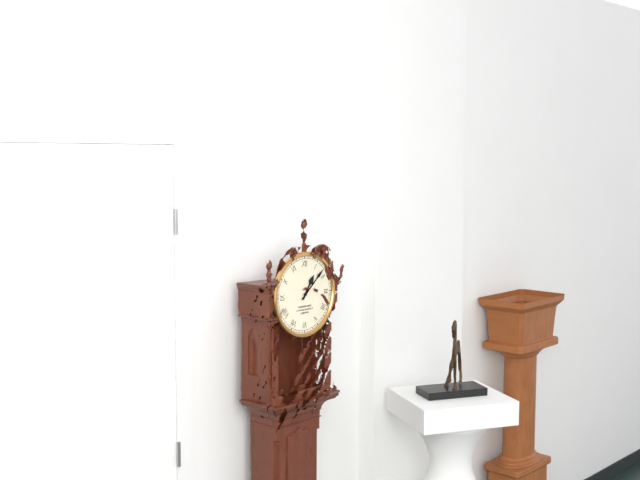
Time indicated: 1:08
